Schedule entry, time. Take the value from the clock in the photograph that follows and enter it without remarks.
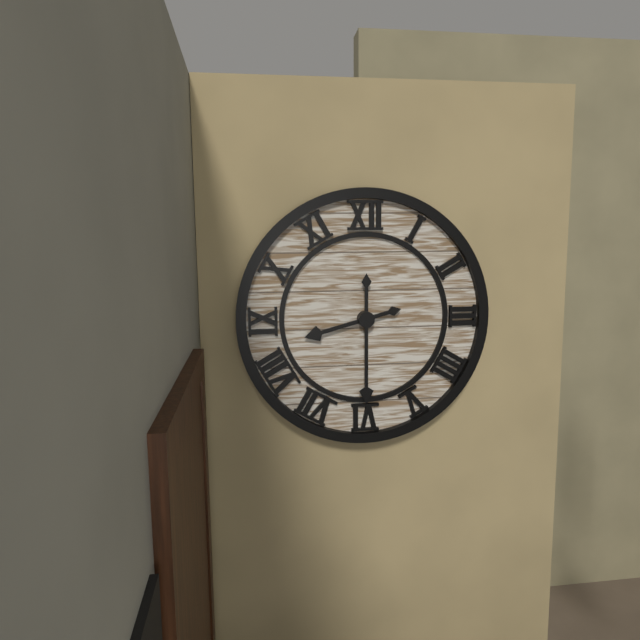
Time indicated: 8:30
